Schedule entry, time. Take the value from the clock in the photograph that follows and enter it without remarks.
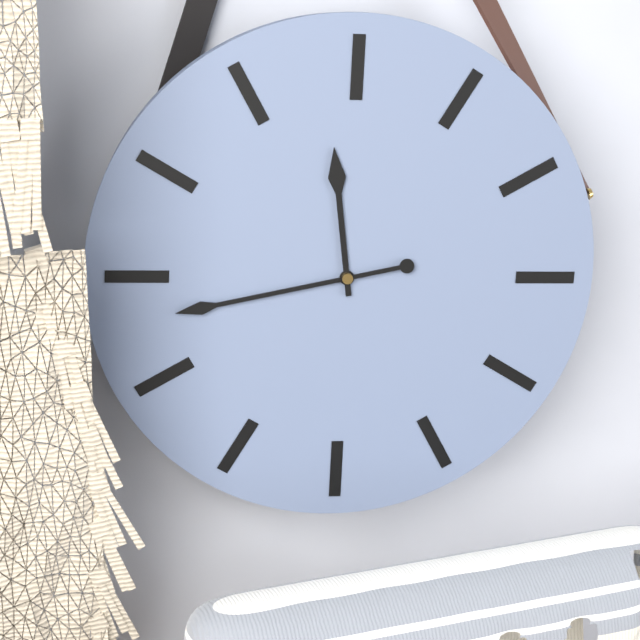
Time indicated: 11:43
